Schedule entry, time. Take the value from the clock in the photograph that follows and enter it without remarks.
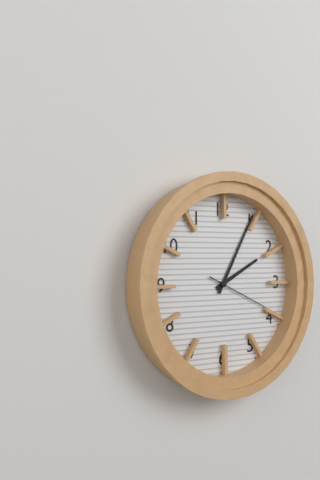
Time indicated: 2:05:19
